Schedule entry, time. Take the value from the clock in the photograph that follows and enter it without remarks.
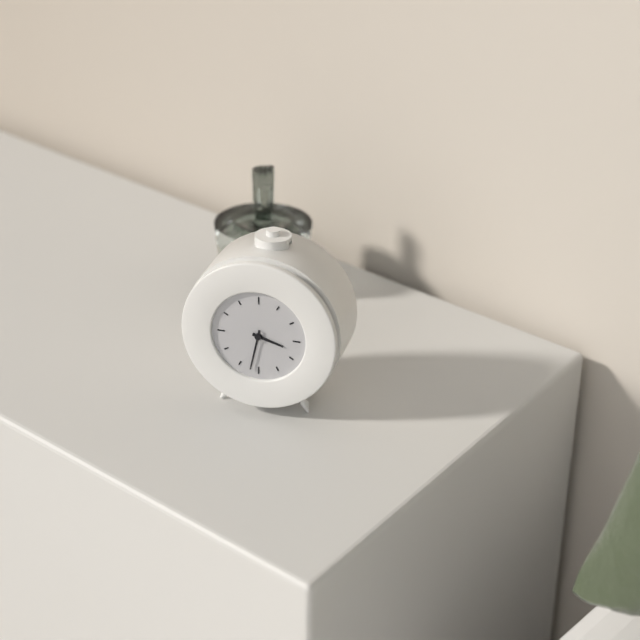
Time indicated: 3:32
